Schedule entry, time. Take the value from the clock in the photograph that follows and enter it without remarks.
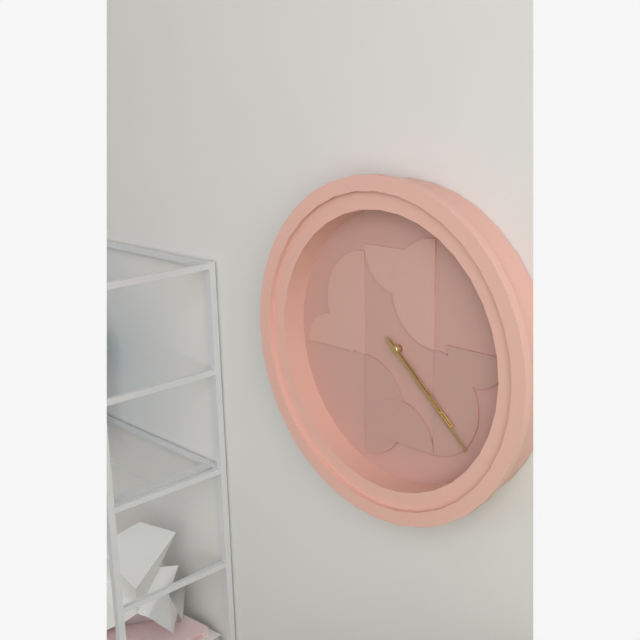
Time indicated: 4:22
